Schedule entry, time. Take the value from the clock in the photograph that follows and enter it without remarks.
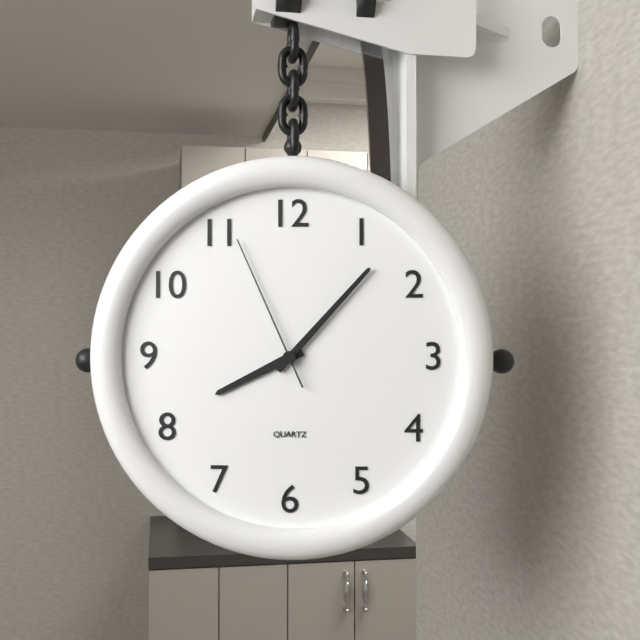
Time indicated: 8:07:56
